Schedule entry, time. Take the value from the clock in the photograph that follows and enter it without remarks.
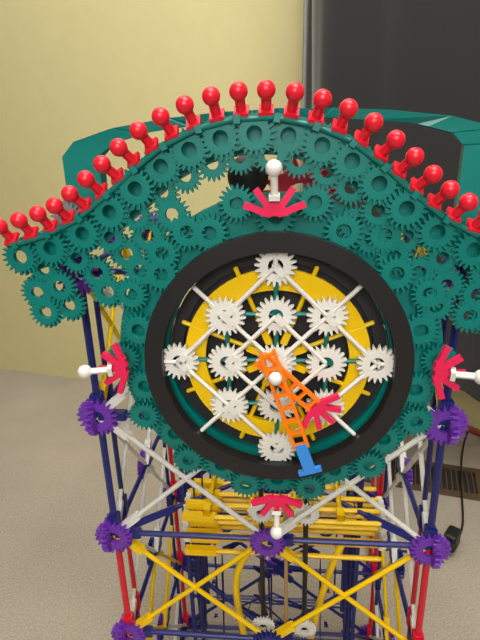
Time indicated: 4:27
